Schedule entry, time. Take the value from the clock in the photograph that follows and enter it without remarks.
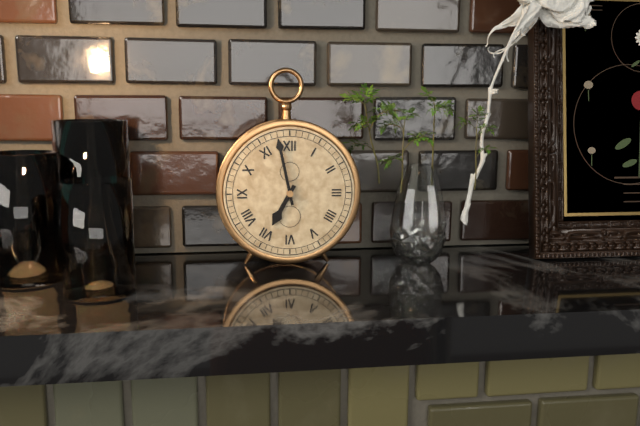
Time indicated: 6:58
